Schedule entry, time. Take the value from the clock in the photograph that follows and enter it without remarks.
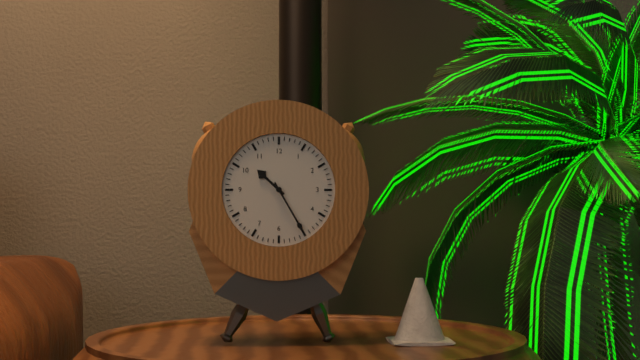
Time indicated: 10:25
